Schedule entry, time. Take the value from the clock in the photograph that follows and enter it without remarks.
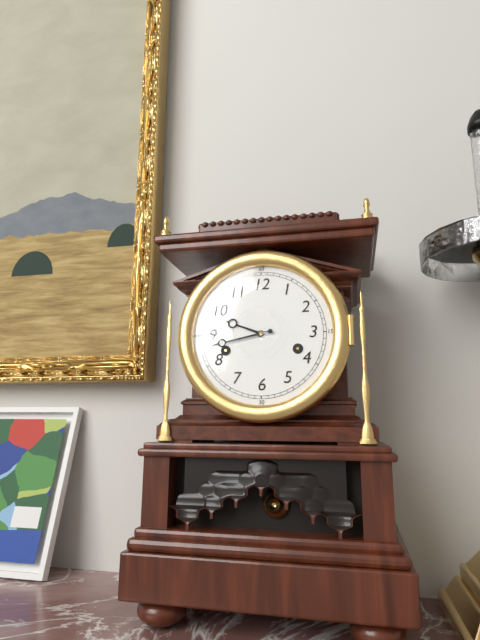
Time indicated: 9:43
